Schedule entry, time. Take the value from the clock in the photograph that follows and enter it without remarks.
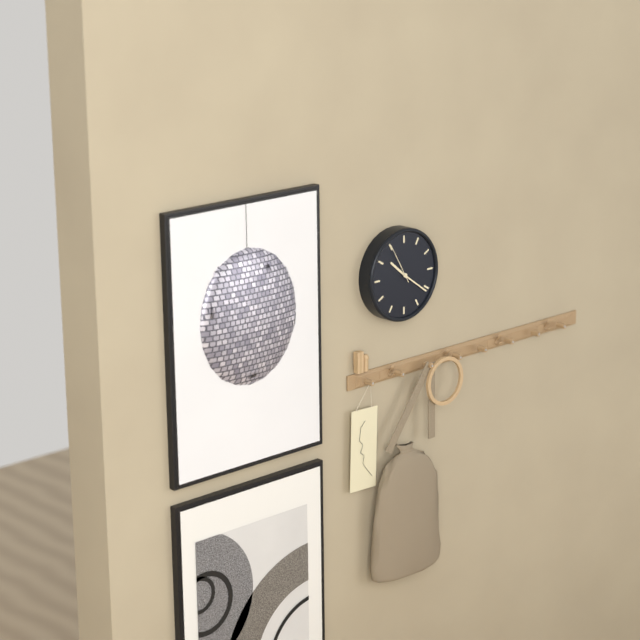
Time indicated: 10:21
